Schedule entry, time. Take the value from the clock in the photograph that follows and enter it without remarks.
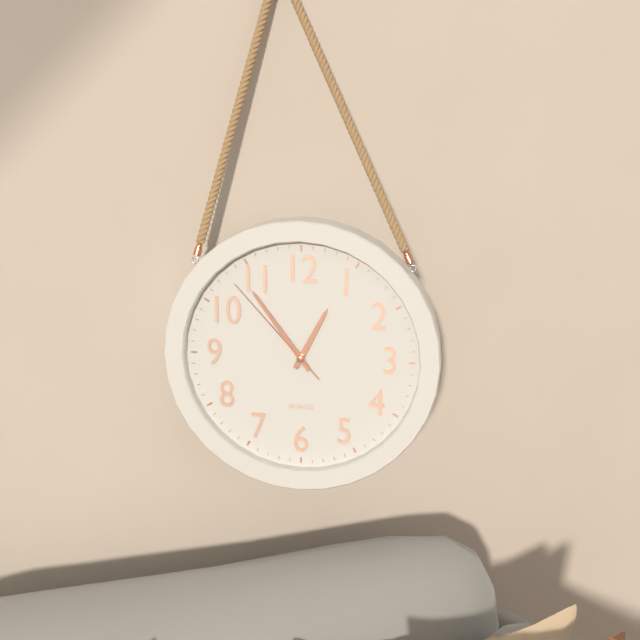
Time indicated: 12:54:53
